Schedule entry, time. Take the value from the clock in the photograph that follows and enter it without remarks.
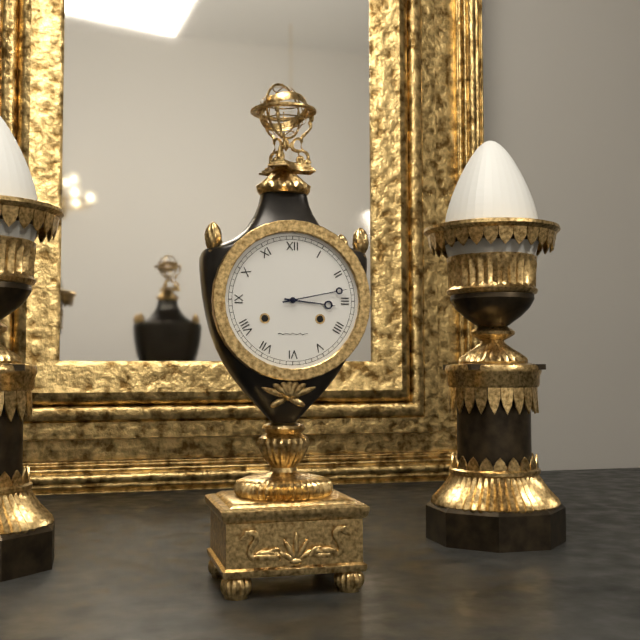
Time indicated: 3:13
